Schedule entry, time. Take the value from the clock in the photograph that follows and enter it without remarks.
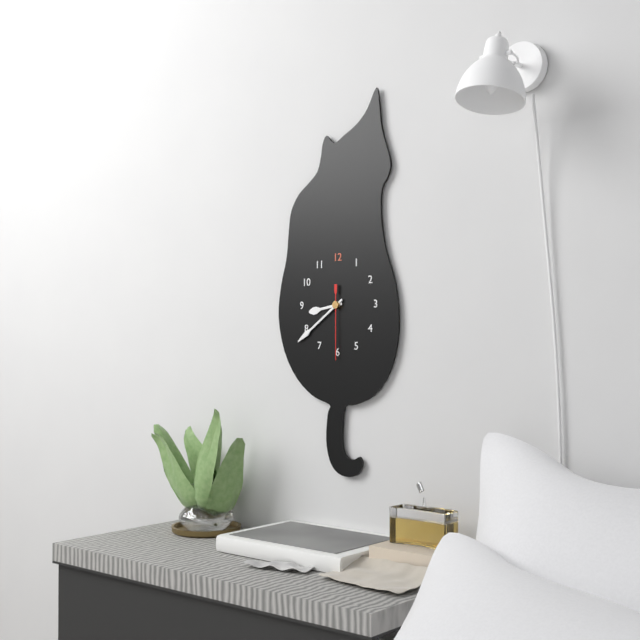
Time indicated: 8:39:30
